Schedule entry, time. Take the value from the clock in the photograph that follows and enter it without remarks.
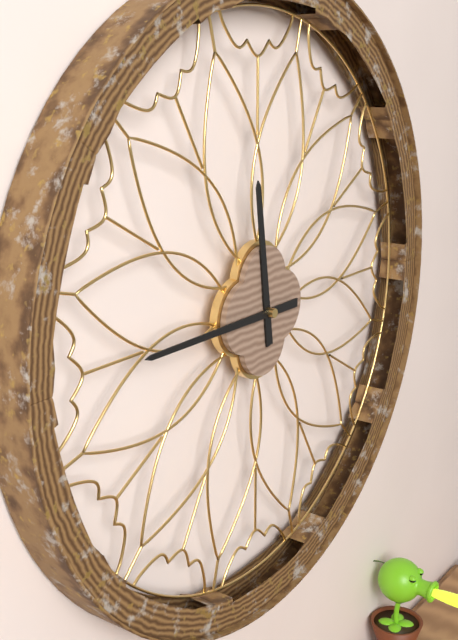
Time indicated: 11:45
